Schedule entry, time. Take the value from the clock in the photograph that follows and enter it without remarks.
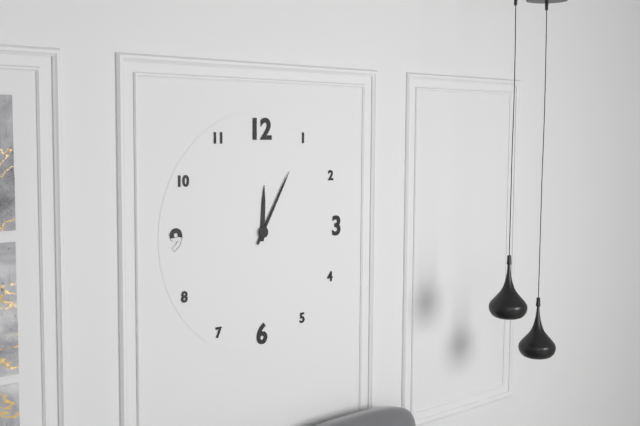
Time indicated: 12:05
